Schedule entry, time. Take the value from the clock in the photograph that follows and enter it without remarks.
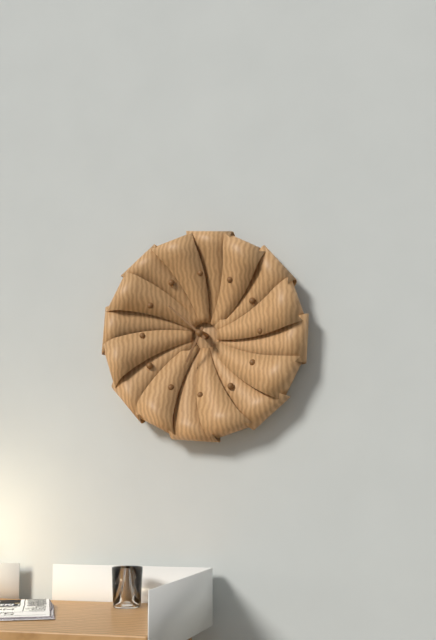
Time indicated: 6:52
